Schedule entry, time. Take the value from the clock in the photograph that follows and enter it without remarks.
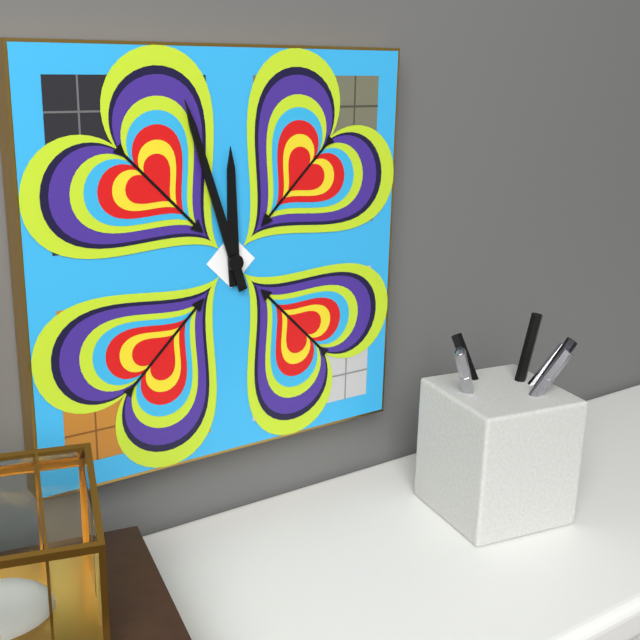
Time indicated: 11:57
